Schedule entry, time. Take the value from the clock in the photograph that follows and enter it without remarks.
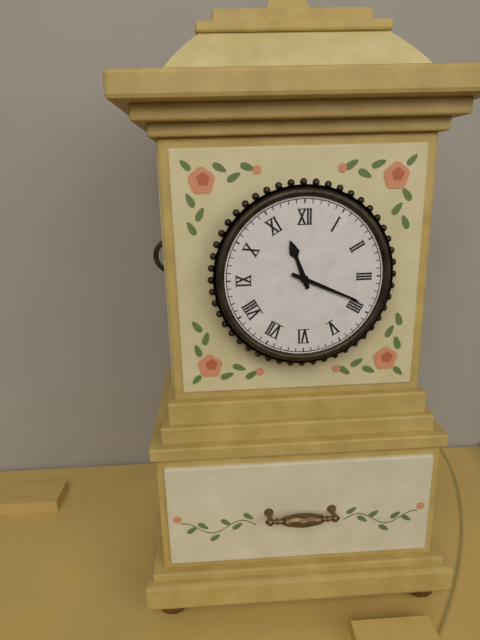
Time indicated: 11:19
